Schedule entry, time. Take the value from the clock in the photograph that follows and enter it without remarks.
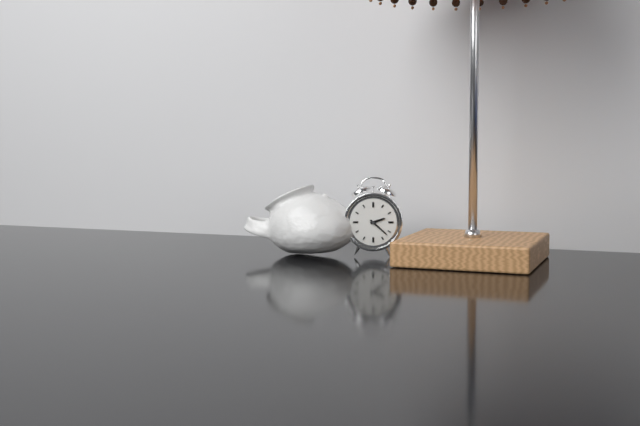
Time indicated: 2:22
